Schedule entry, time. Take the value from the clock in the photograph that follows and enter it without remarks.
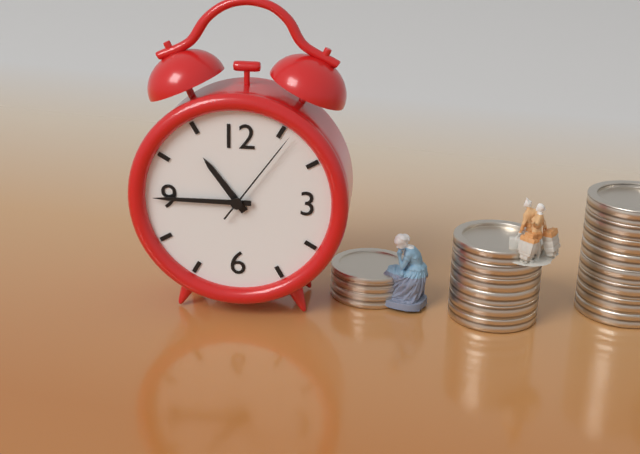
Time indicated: 10:45:06
